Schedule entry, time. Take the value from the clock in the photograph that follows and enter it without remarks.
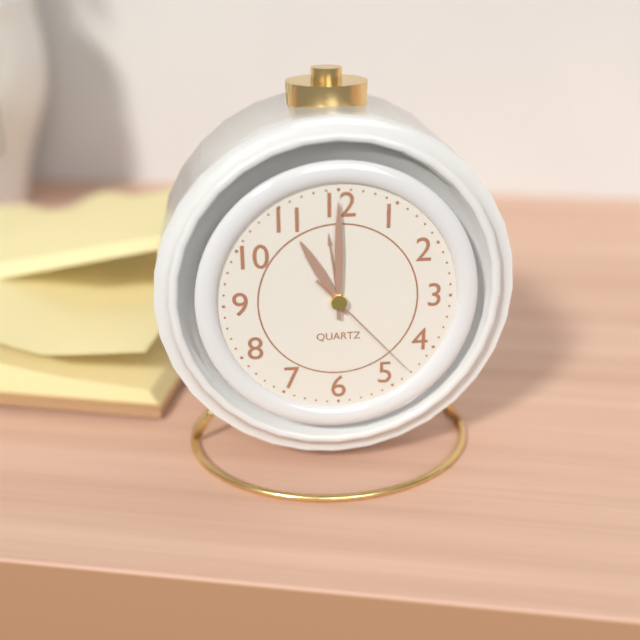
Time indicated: 11:00:23
